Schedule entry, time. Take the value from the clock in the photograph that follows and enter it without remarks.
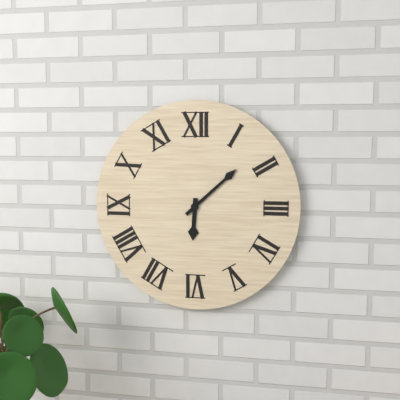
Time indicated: 6:08
